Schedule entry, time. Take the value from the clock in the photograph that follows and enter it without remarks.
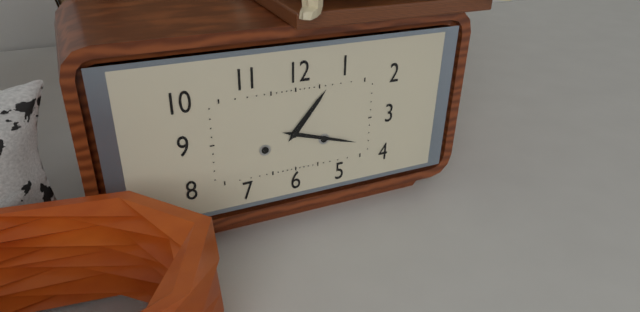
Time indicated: 1:18
